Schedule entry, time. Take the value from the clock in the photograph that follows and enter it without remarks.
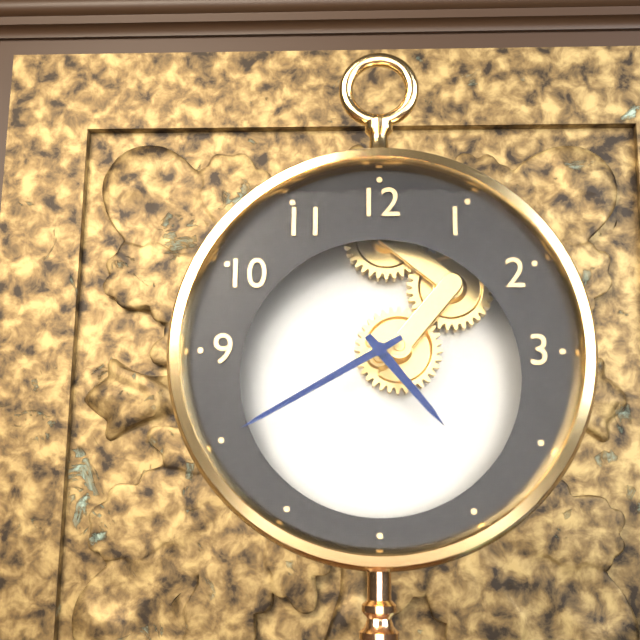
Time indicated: 4:40
